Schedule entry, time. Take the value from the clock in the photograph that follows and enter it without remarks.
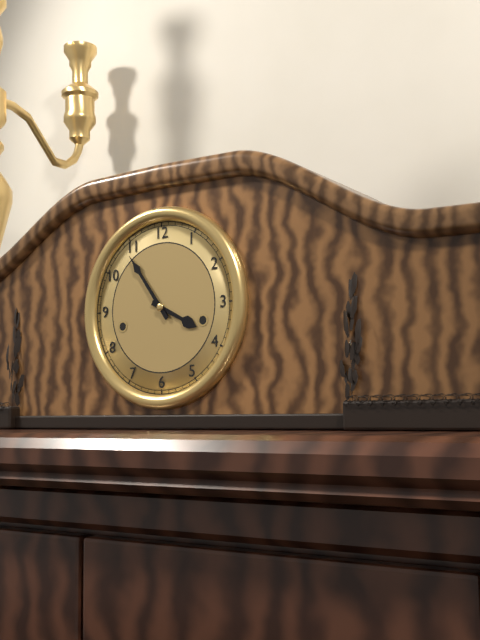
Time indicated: 3:54
